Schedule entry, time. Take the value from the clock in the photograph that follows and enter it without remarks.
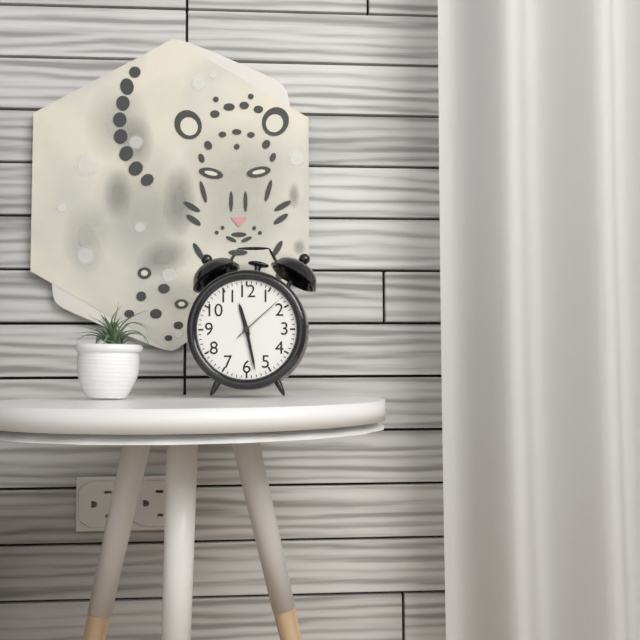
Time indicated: 11:28:08
